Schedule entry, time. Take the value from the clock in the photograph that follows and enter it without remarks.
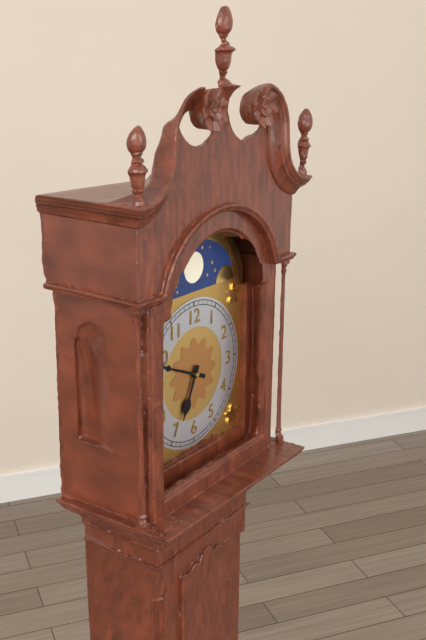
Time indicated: 6:49
